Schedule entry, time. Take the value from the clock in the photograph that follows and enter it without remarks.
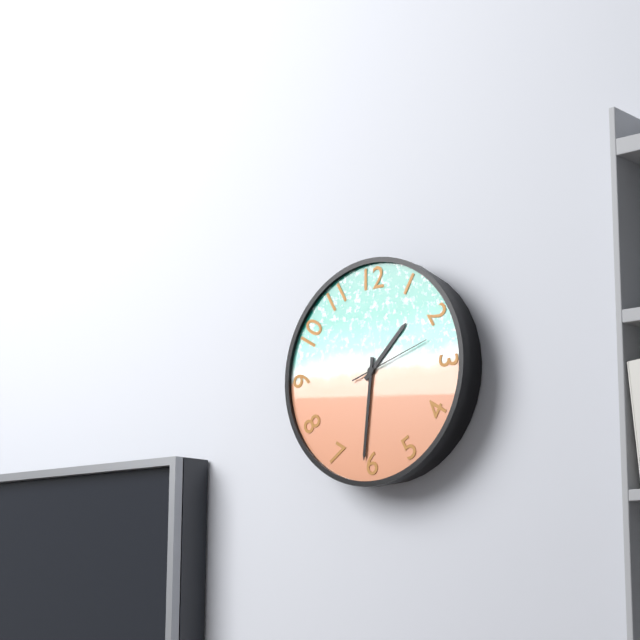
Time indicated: 1:31:12
